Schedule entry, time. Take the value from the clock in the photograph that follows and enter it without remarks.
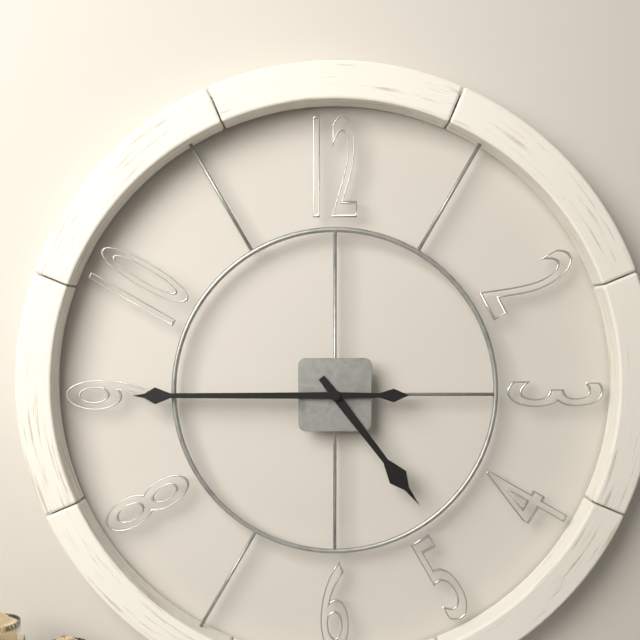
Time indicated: 4:45
